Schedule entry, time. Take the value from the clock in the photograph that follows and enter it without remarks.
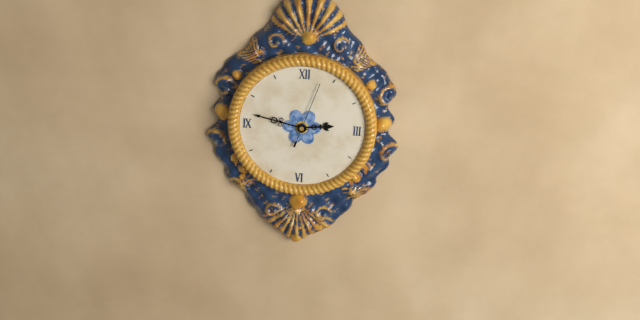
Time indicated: 2:47:03
